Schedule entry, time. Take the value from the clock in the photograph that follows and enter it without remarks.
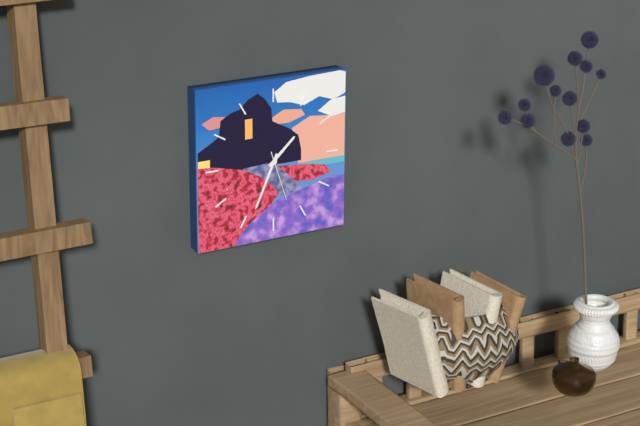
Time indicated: 1:34:27
